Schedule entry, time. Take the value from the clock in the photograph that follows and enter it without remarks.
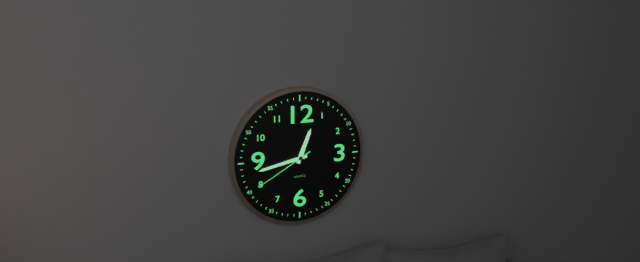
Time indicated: 12:43:40
